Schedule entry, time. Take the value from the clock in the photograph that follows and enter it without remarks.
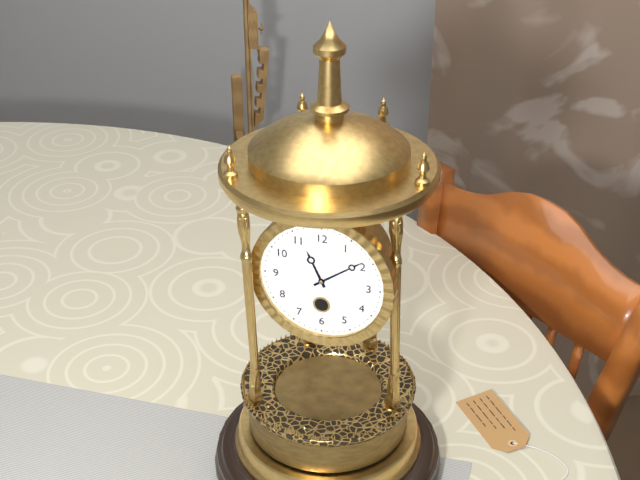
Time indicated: 11:09
